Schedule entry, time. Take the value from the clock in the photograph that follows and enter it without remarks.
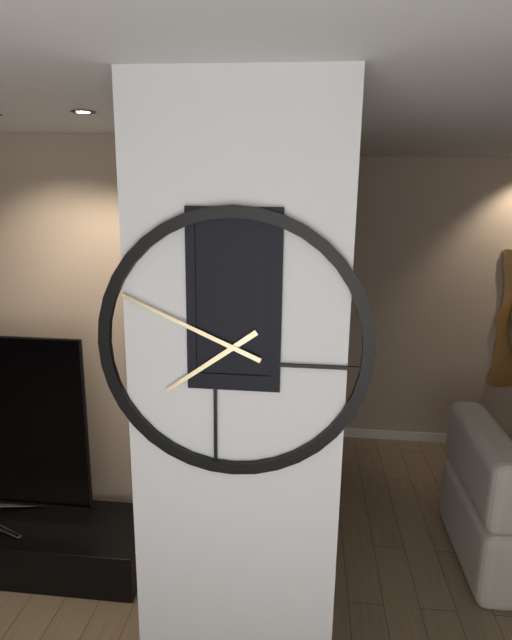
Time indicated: 7:49
